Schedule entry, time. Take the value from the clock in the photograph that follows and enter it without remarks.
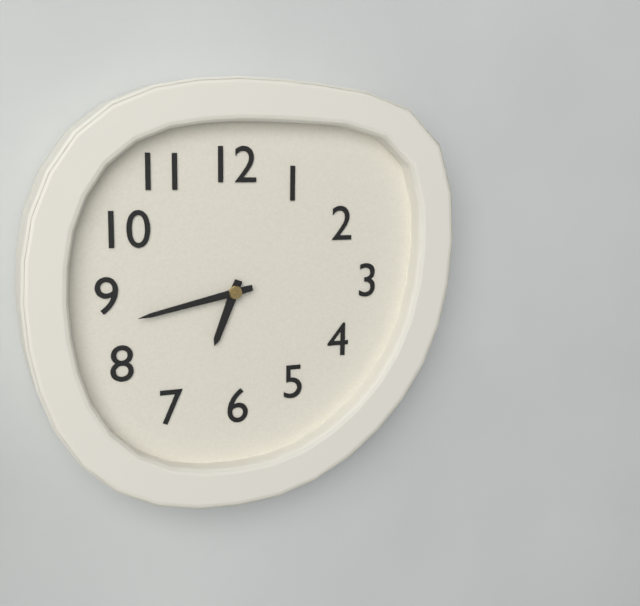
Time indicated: 6:43
